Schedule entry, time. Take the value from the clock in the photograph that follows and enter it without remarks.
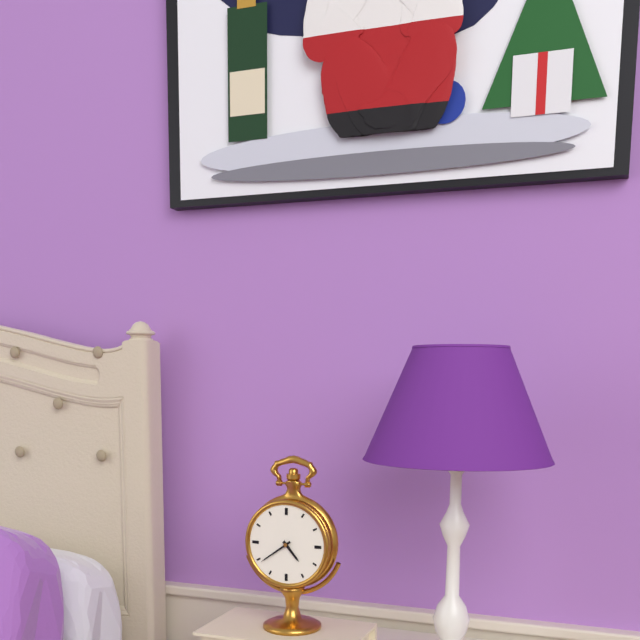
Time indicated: 4:39
